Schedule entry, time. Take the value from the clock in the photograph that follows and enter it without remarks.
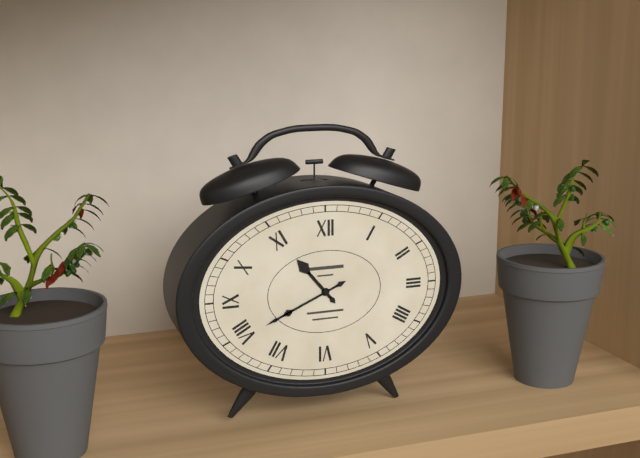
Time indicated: 10:41
